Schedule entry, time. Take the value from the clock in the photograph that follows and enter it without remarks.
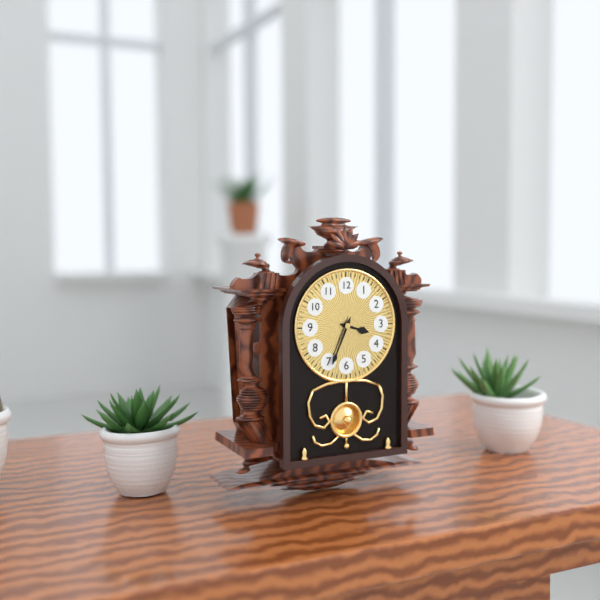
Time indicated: 3:34
